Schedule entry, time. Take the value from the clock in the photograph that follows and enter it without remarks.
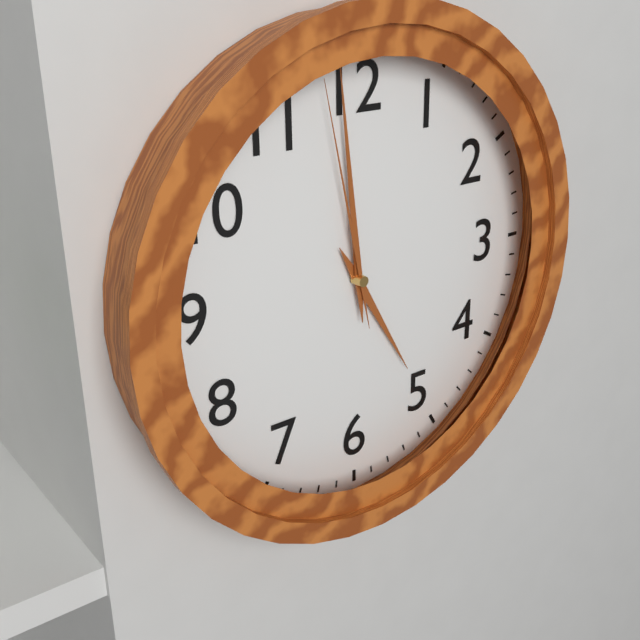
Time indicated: 4:59:58
